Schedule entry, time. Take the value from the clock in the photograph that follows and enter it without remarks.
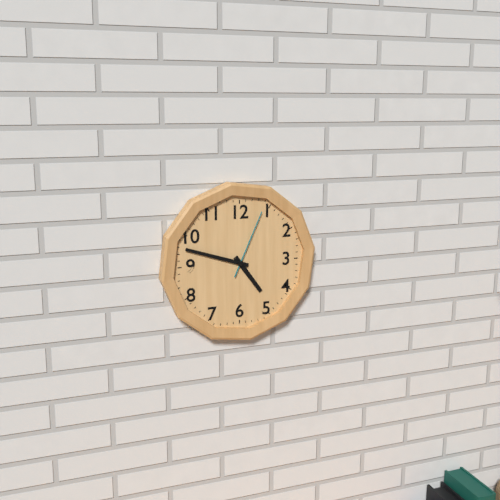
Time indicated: 4:48:04
